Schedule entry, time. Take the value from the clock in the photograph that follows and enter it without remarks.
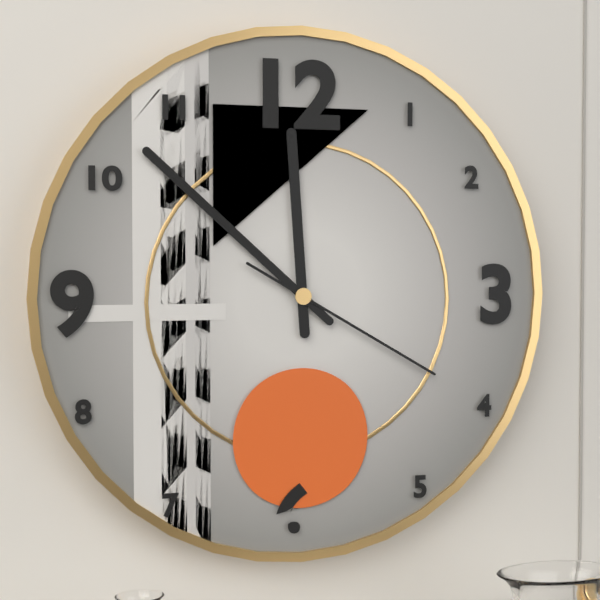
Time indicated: 11:52:20
